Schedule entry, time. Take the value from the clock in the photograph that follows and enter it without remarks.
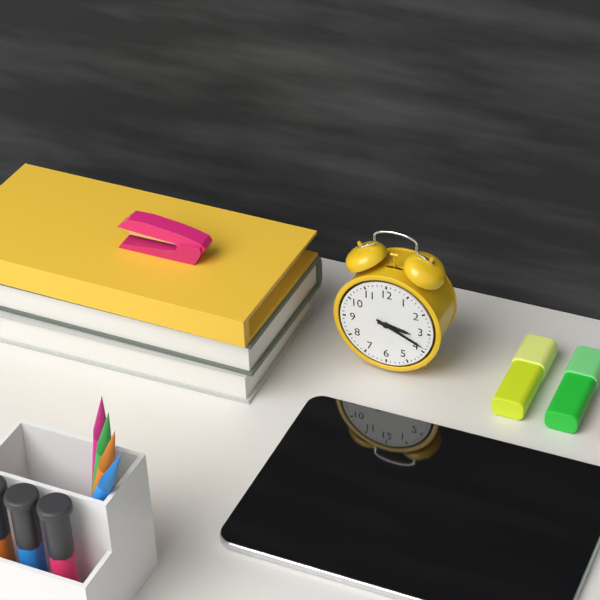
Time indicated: 3:19
